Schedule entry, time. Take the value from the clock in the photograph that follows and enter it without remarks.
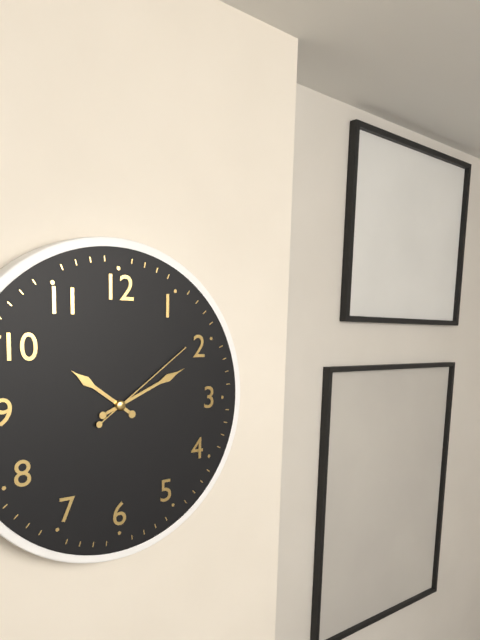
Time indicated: 10:11:09
